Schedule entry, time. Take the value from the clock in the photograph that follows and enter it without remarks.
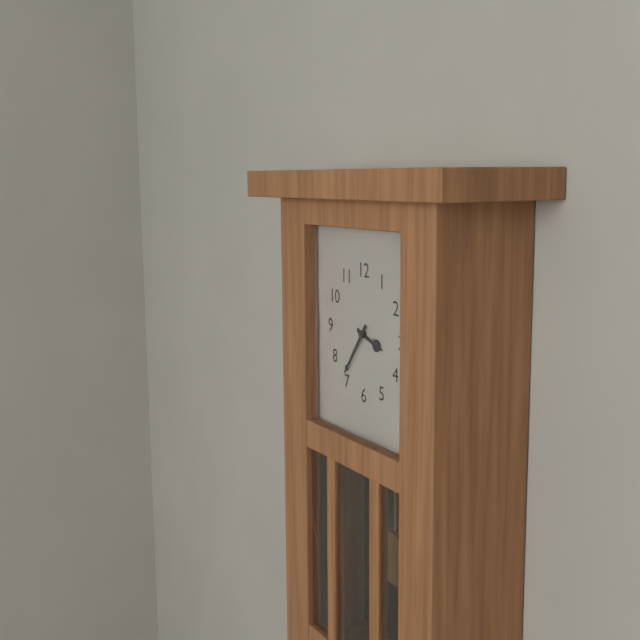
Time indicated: 3:36
